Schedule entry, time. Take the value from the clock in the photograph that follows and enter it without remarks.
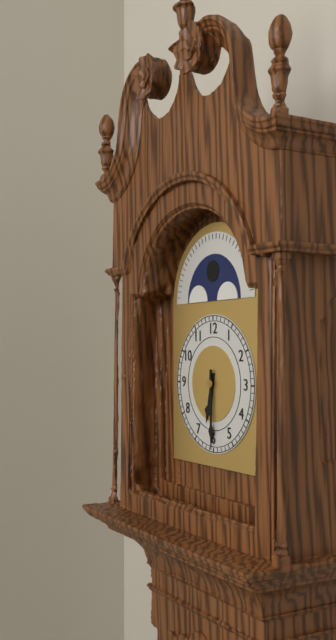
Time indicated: 6:30
